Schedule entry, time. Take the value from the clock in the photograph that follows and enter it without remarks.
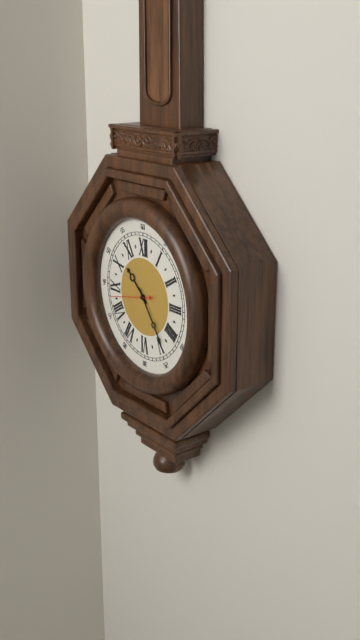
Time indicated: 10:24:43
